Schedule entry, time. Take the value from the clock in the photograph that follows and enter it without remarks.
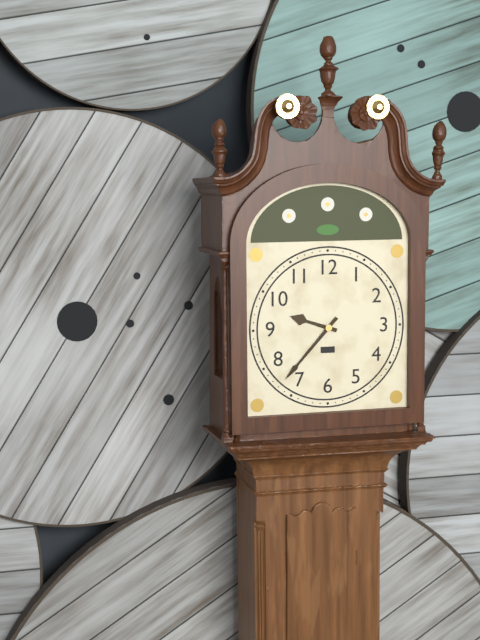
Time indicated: 9:37
